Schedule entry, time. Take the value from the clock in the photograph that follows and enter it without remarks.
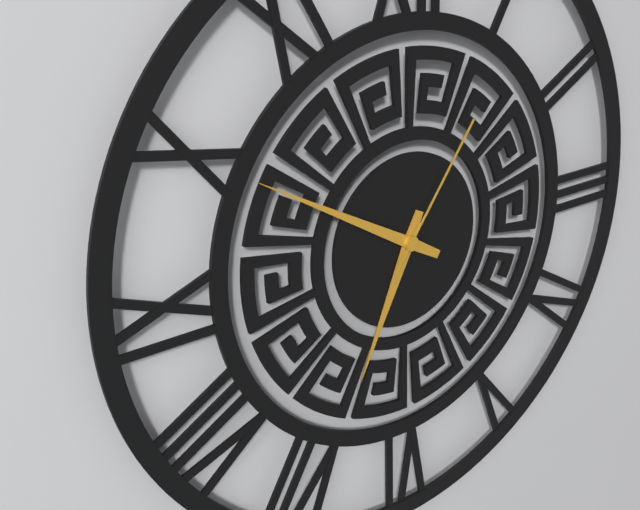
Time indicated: 6:50:06
